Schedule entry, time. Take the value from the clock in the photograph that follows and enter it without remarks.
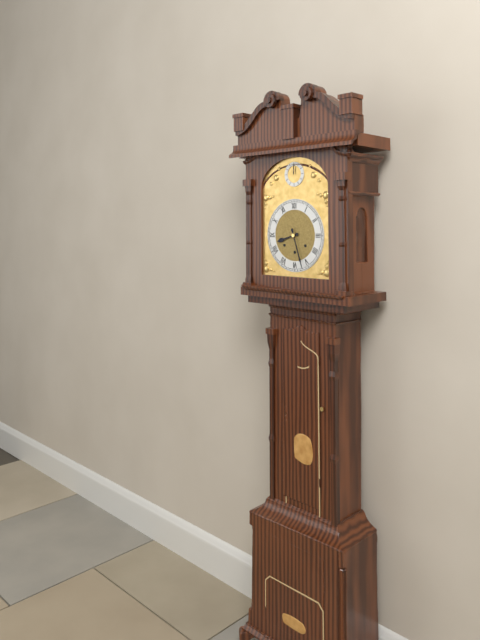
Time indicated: 8:27
